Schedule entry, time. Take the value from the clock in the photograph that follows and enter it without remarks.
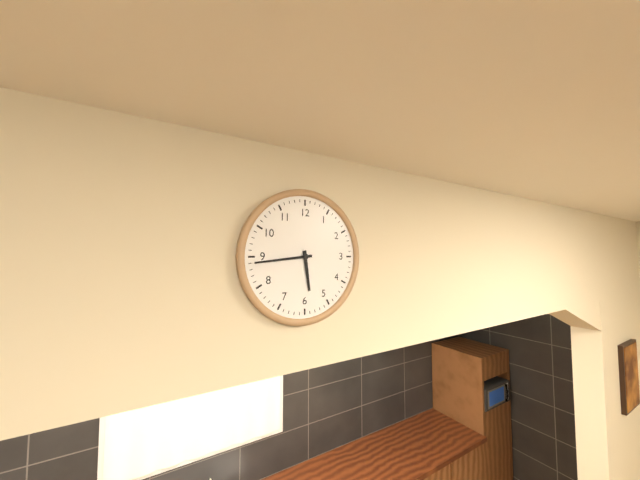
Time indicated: 5:44
